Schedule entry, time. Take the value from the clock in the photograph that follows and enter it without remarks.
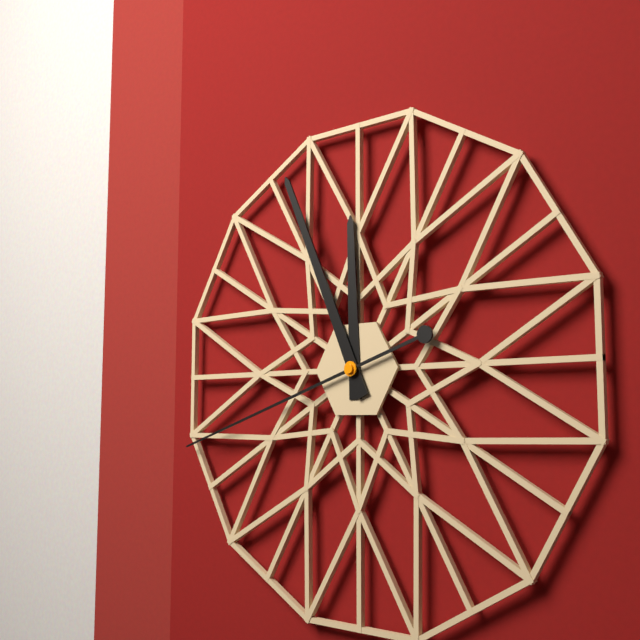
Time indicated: 11:56:42
